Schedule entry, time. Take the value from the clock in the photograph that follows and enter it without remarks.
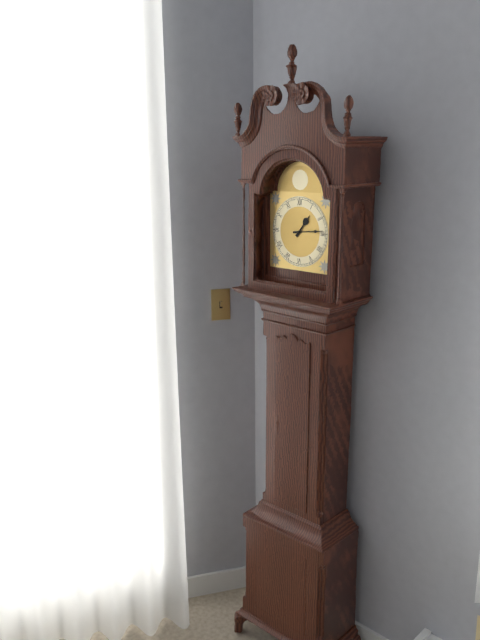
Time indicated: 1:14
